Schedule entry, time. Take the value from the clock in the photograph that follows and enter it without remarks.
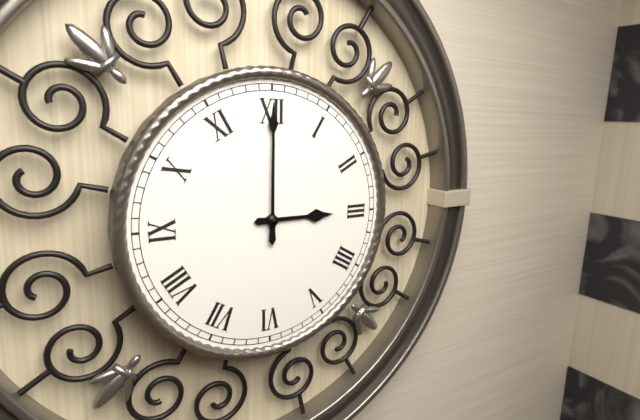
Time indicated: 3:00
